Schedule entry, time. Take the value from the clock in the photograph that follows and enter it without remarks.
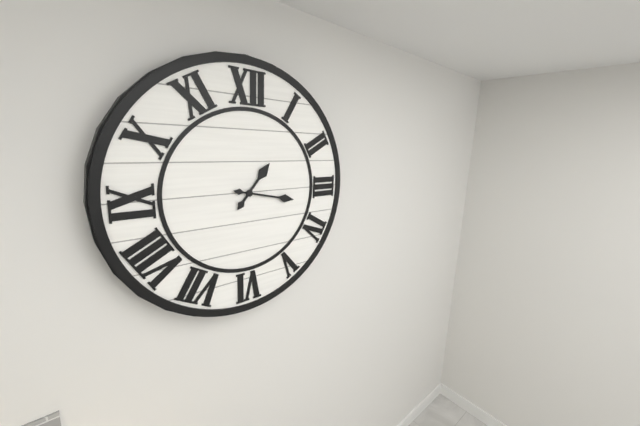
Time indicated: 1:17
